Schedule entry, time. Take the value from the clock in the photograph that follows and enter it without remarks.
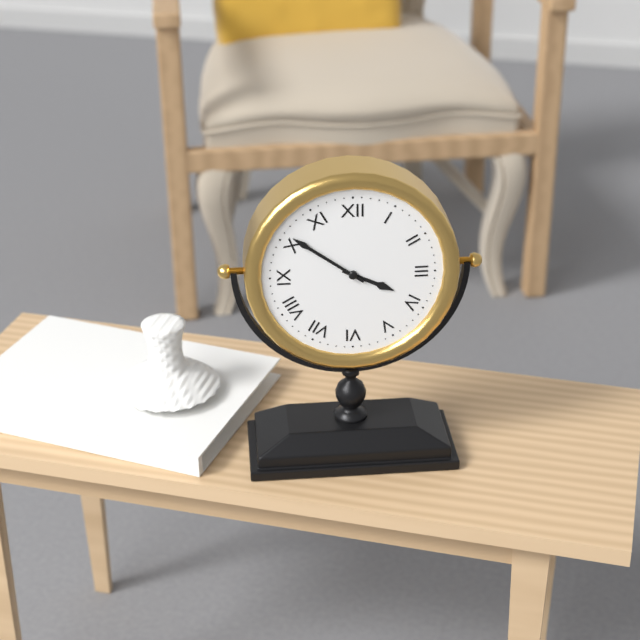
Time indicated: 3:51
